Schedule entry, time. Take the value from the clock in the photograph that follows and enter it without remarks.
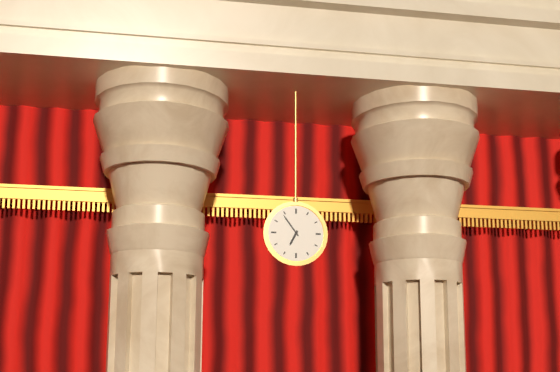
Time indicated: 6:54
